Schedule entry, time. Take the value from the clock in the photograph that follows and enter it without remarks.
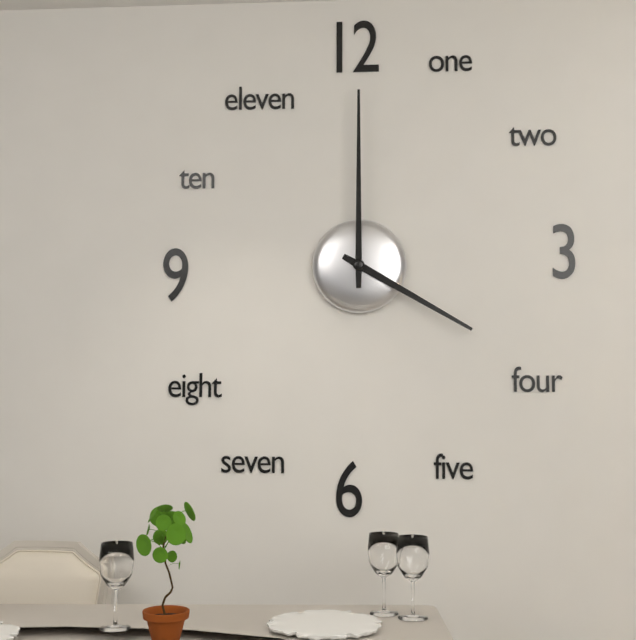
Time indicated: 4:00
